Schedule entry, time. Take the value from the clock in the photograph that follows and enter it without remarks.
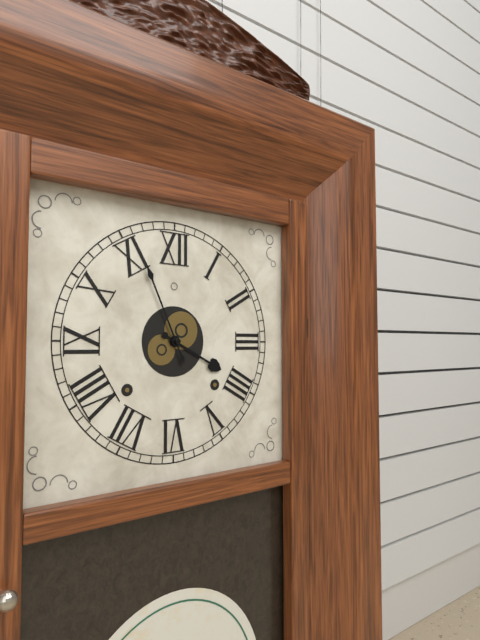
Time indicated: 3:56
